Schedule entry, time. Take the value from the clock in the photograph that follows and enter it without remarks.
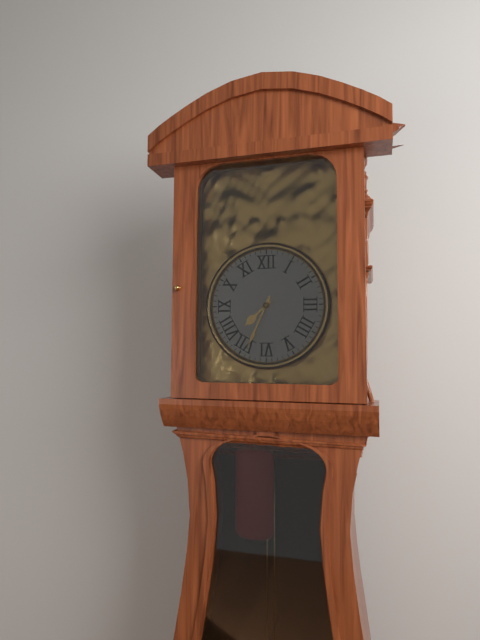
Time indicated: 7:34
